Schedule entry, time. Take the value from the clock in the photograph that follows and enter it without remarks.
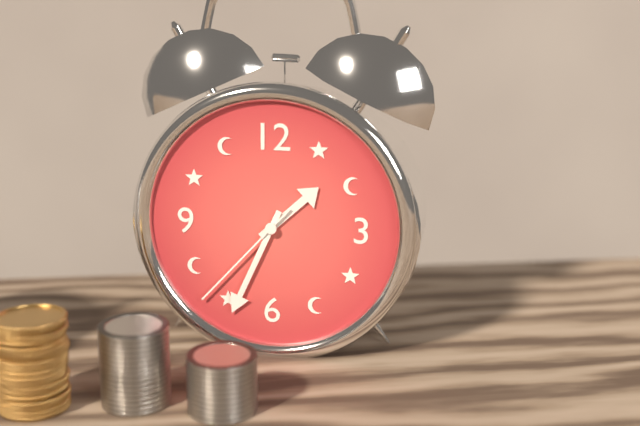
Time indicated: 1:34:37
